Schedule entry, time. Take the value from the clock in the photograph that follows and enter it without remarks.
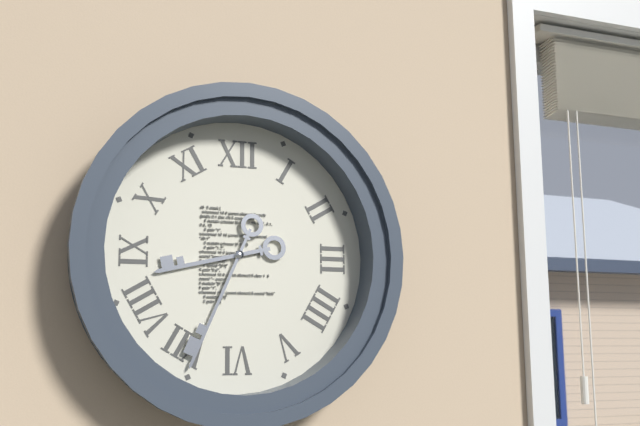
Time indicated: 8:34
